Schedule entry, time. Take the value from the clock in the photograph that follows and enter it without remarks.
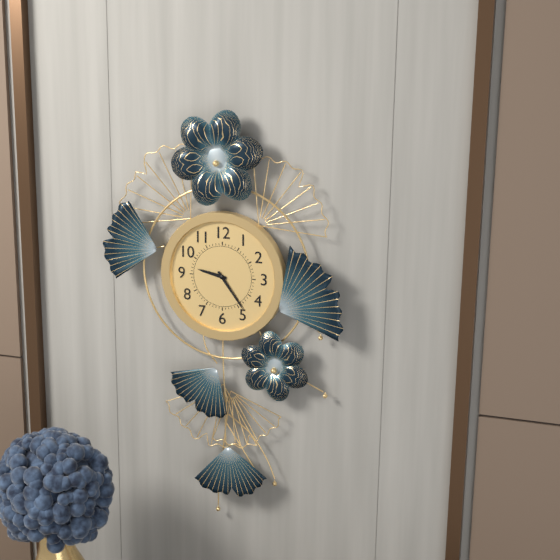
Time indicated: 9:24
